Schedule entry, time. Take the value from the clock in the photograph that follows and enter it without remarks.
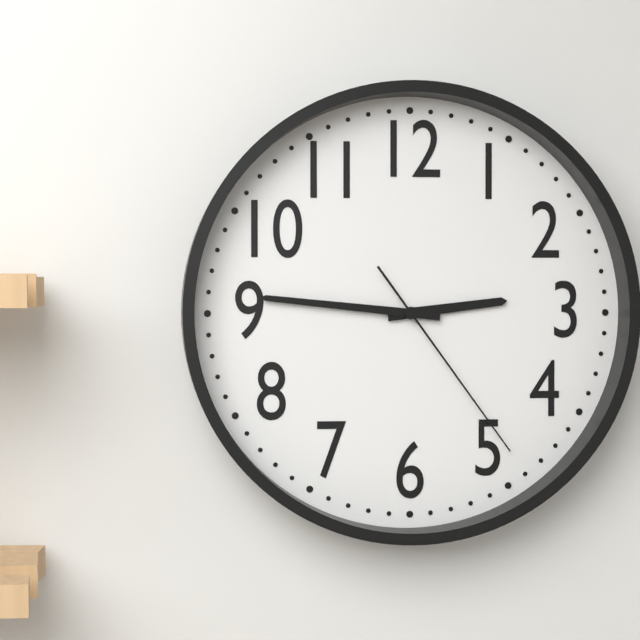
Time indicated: 2:46:24
